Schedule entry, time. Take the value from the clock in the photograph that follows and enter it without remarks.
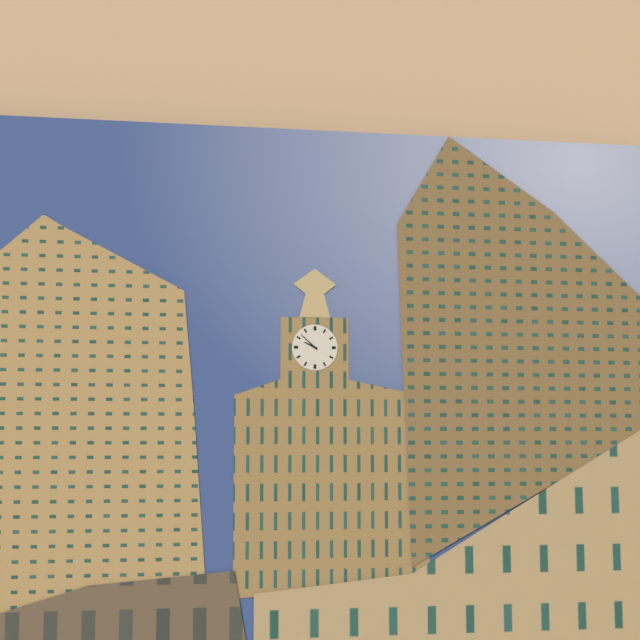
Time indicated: 9:52
